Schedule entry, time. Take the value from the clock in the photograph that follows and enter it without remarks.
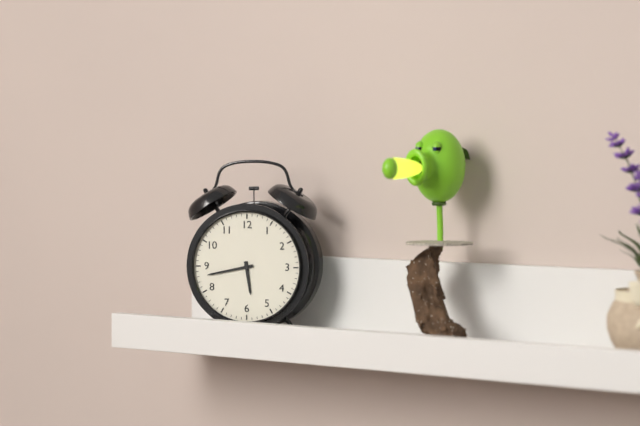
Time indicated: 5:43
